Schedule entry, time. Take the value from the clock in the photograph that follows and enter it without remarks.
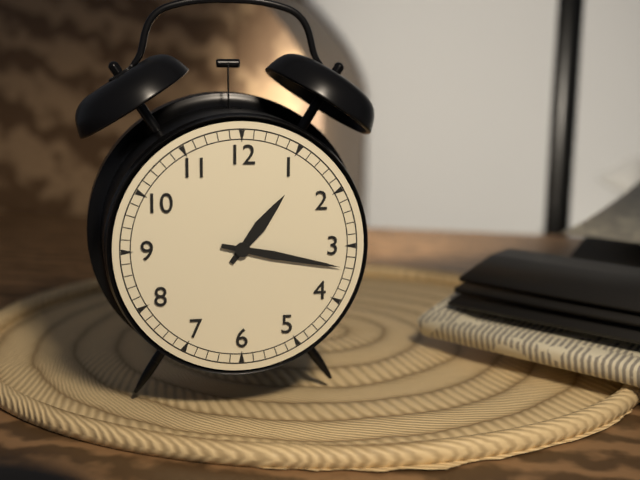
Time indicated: 1:17
